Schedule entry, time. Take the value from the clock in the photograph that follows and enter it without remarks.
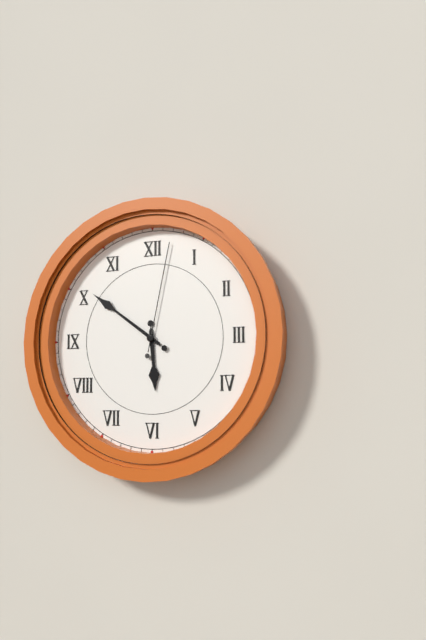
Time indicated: 5:51:02
